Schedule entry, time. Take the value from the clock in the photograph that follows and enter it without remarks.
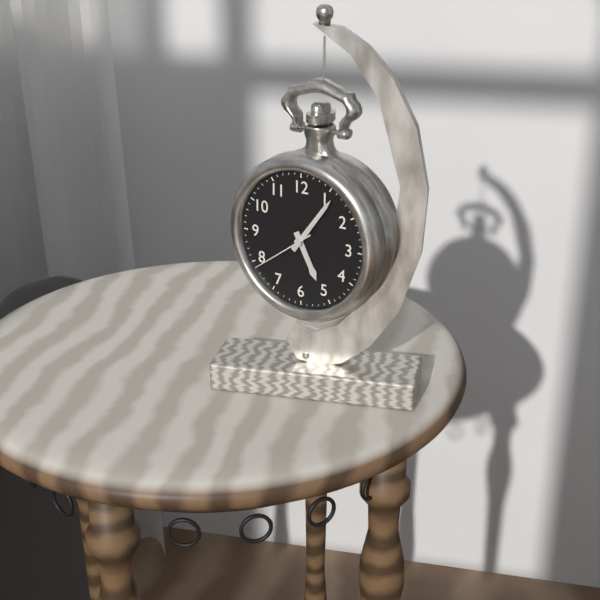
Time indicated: 5:06:39
